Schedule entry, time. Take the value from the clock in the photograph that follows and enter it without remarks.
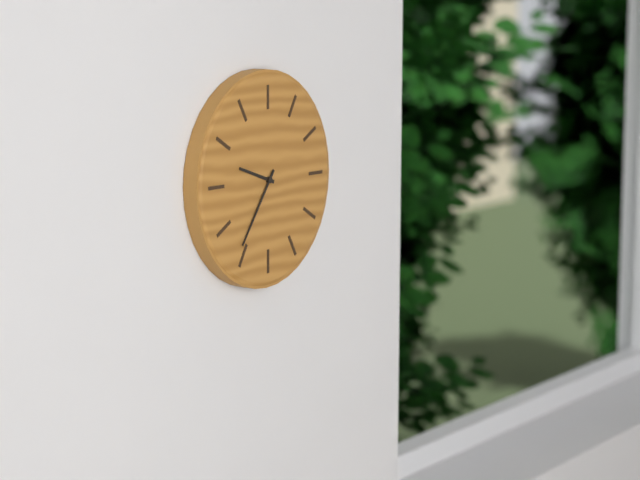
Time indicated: 9:36
